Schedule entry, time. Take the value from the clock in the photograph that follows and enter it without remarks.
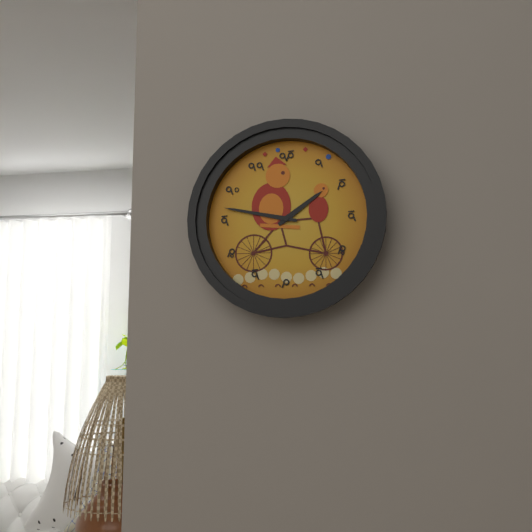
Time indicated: 1:47
